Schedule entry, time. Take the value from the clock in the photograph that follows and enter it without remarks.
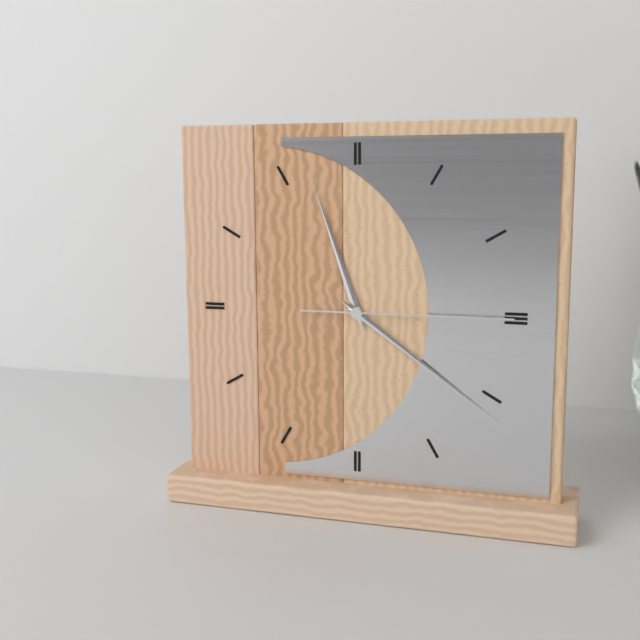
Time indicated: 11:21:15
